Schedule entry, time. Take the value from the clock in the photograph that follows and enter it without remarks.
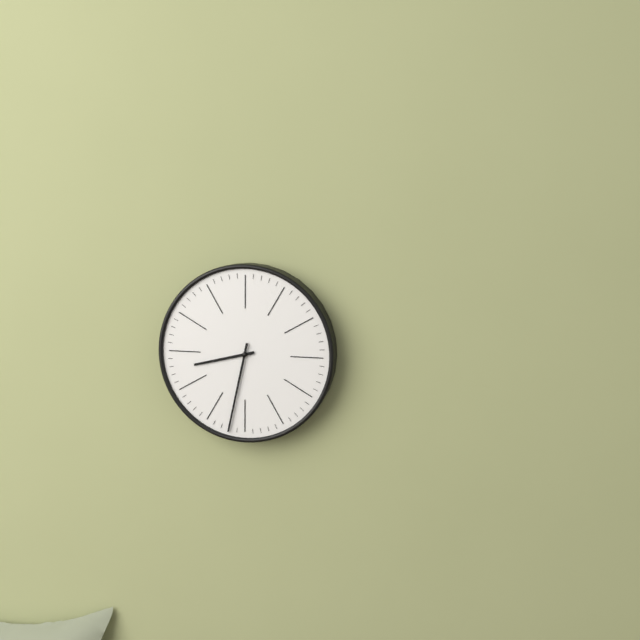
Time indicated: 8:32
